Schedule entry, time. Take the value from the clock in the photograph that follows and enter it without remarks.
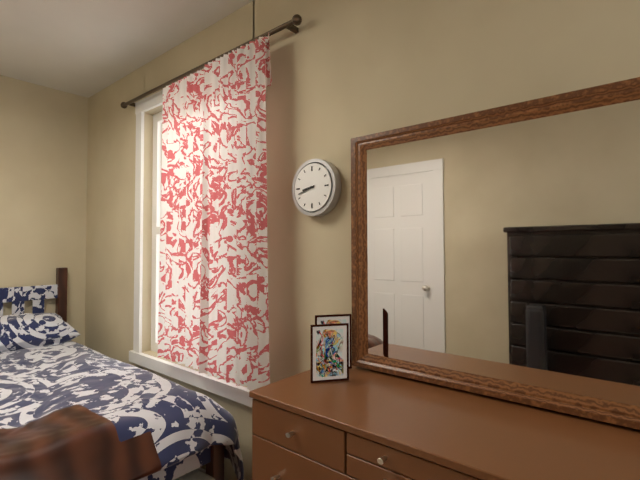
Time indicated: 8:42
